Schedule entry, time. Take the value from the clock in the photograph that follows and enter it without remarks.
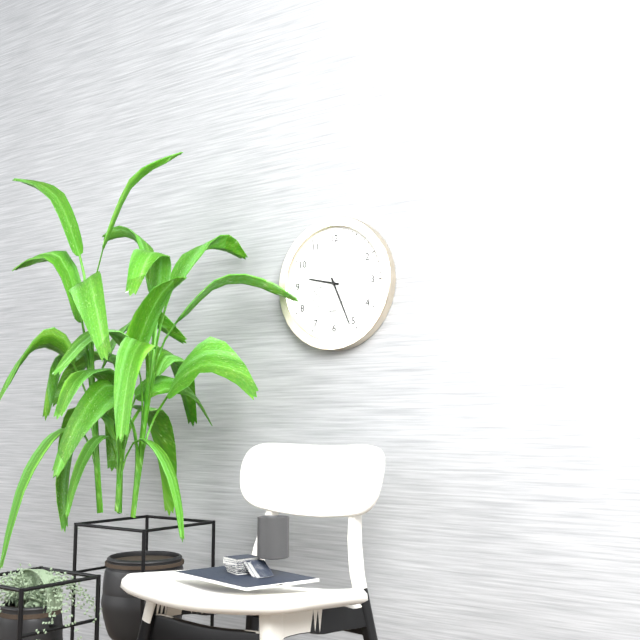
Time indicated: 9:26:37
